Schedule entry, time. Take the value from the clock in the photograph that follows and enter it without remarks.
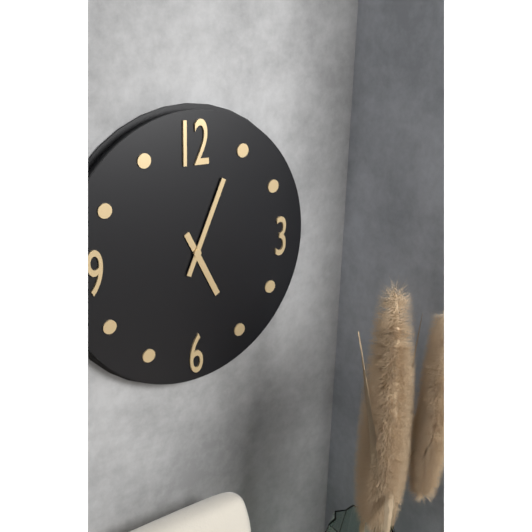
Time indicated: 5:04
